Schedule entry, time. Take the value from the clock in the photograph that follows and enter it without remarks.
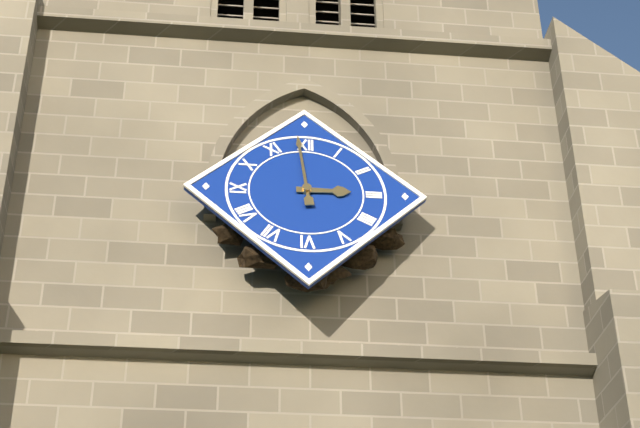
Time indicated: 2:59
